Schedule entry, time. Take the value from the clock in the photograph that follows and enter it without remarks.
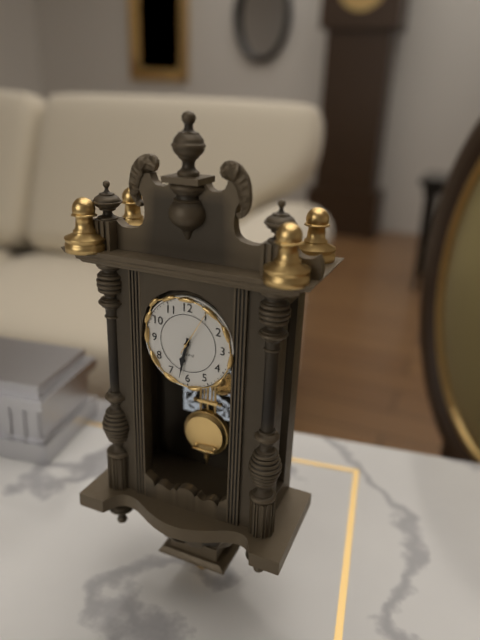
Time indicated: 6:32
